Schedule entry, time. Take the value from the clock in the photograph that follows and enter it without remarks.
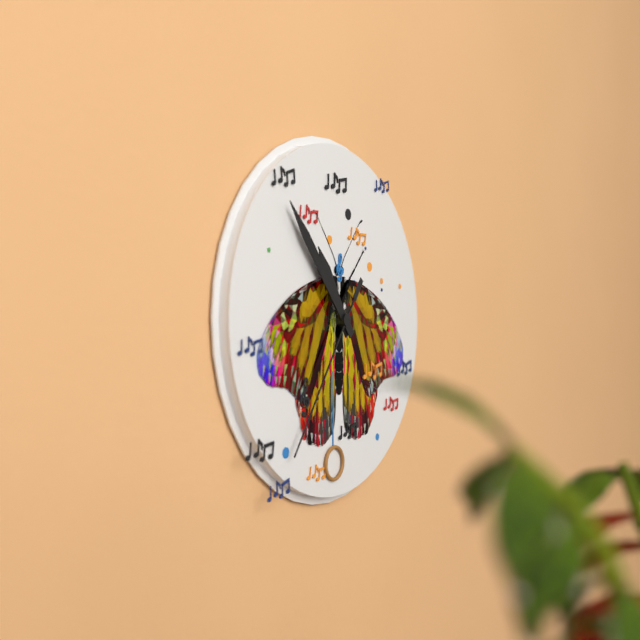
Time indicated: 10:53:36
